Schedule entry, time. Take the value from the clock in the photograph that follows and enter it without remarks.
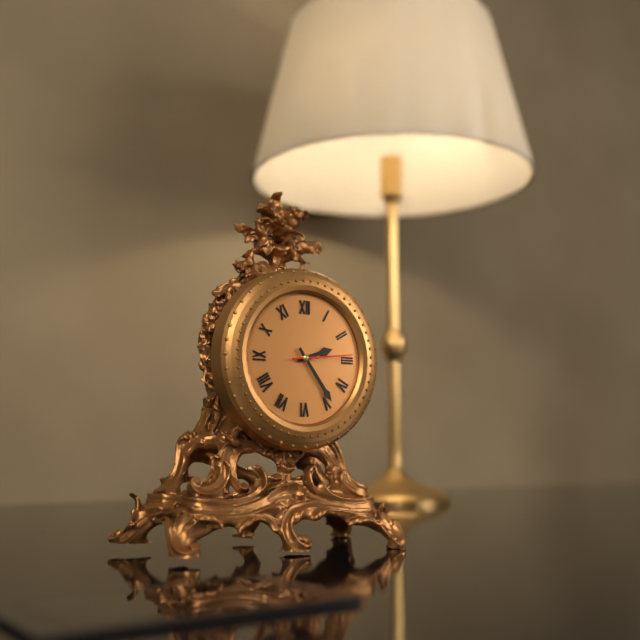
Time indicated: 2:24:14
